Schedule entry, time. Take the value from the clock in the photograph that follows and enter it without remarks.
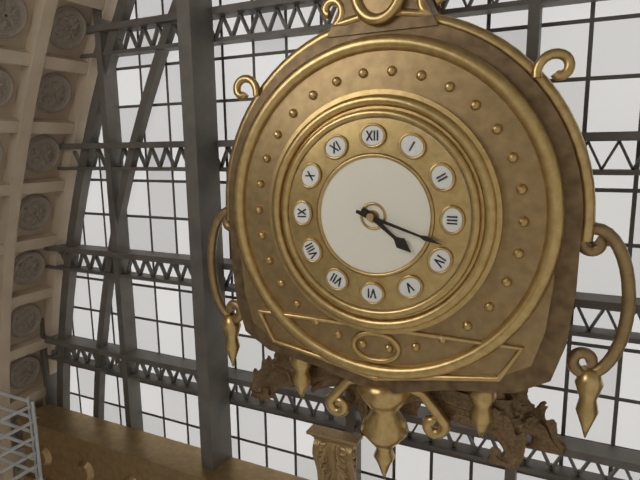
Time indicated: 4:18
